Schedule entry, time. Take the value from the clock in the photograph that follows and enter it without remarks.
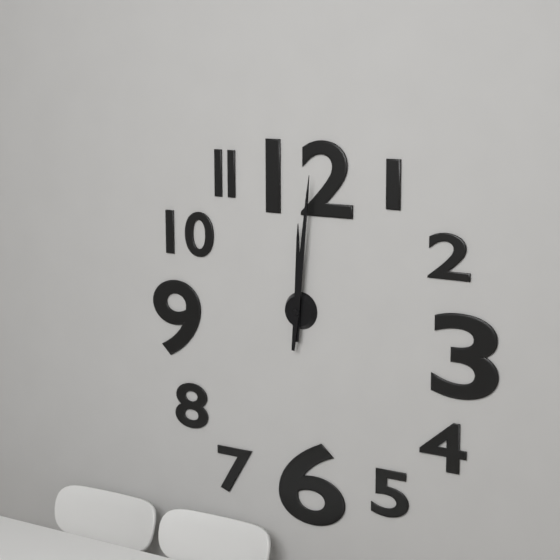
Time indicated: 12:01
